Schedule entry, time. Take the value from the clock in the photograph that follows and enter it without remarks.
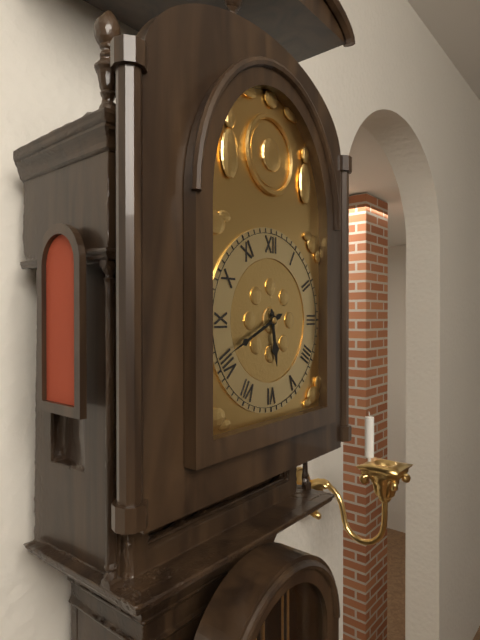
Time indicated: 5:41
